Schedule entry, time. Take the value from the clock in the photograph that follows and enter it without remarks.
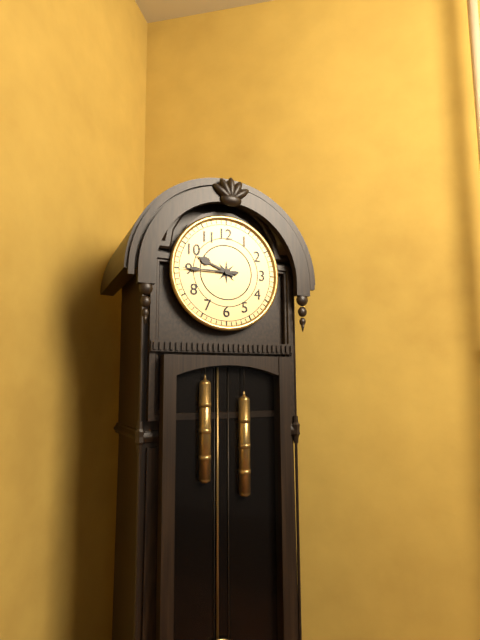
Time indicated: 9:45
